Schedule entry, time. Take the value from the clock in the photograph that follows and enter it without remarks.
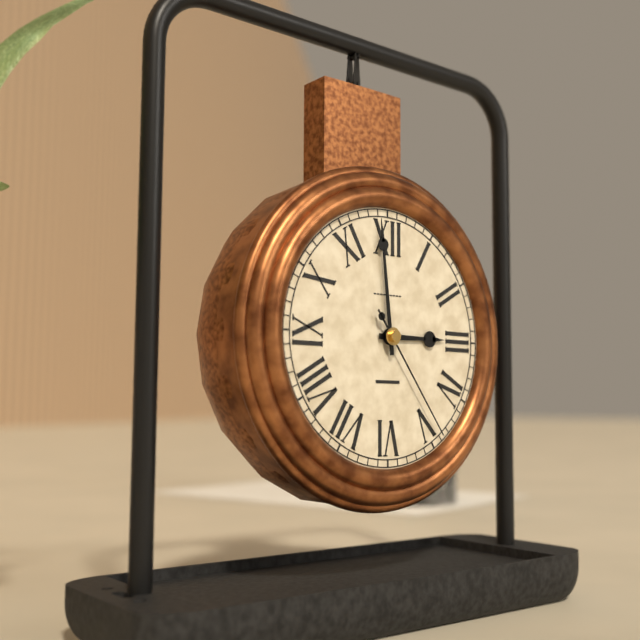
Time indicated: 2:59:24
